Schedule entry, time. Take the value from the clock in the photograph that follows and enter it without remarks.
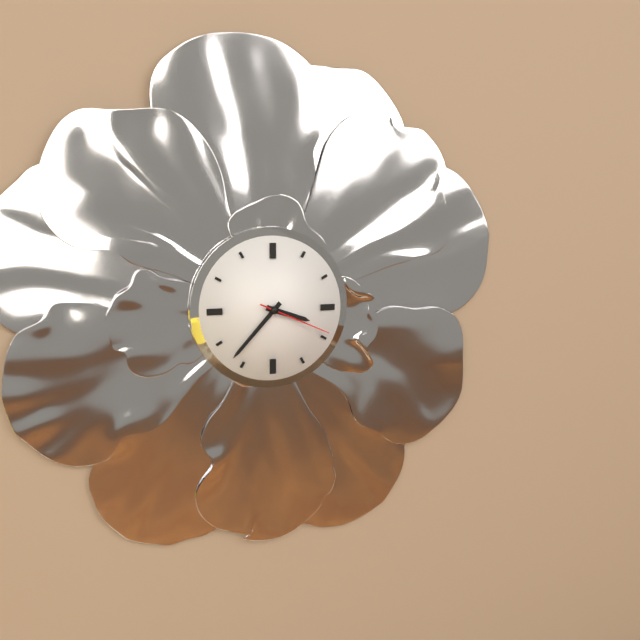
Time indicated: 3:37:19
